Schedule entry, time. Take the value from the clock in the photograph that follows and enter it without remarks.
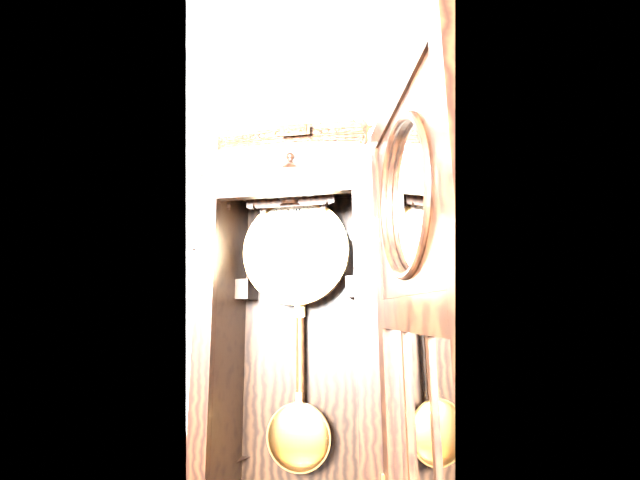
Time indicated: 2:45
